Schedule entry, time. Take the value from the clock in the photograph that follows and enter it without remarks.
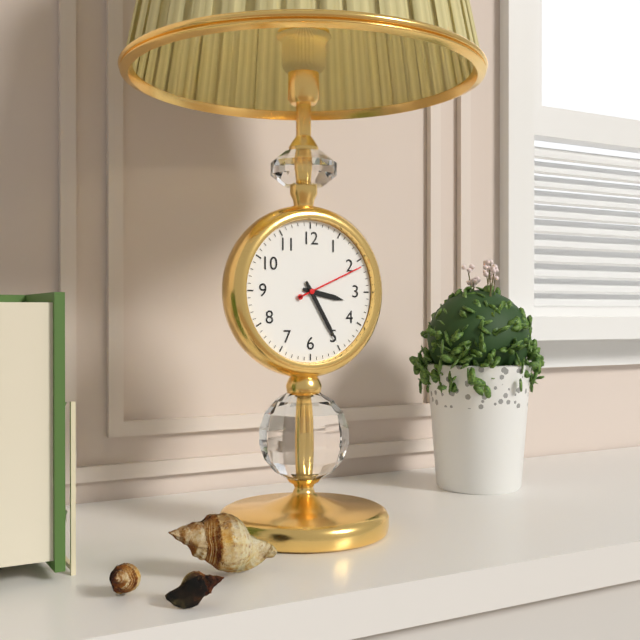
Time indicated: 3:25:11
